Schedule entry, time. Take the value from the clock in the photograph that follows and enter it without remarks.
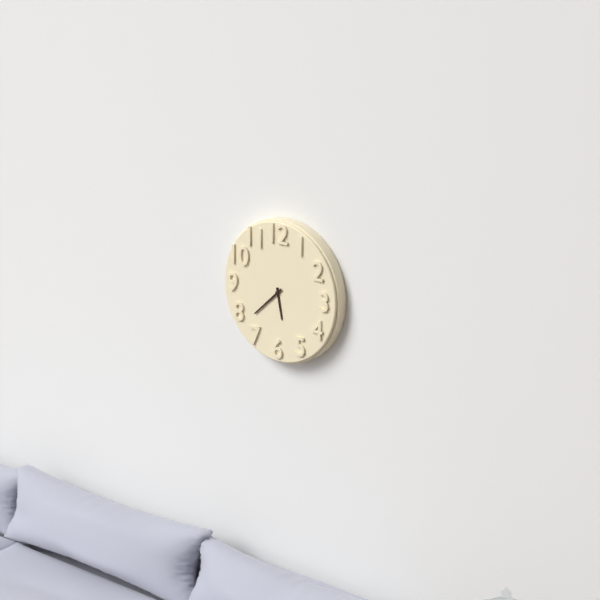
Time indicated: 5:38
